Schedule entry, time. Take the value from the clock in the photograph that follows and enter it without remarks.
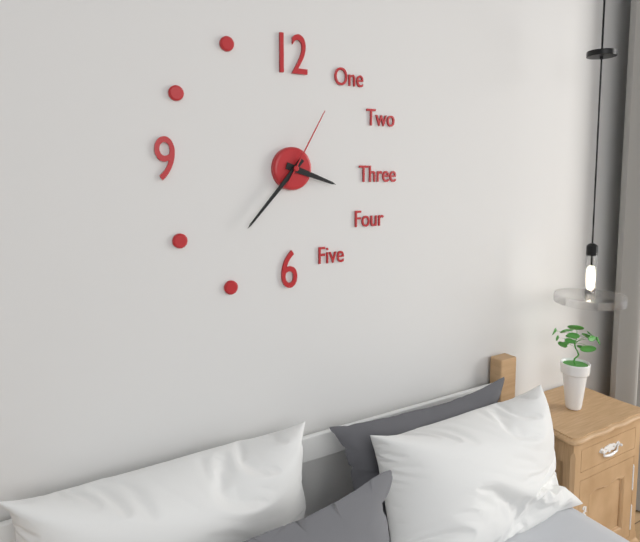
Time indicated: 3:37:05
